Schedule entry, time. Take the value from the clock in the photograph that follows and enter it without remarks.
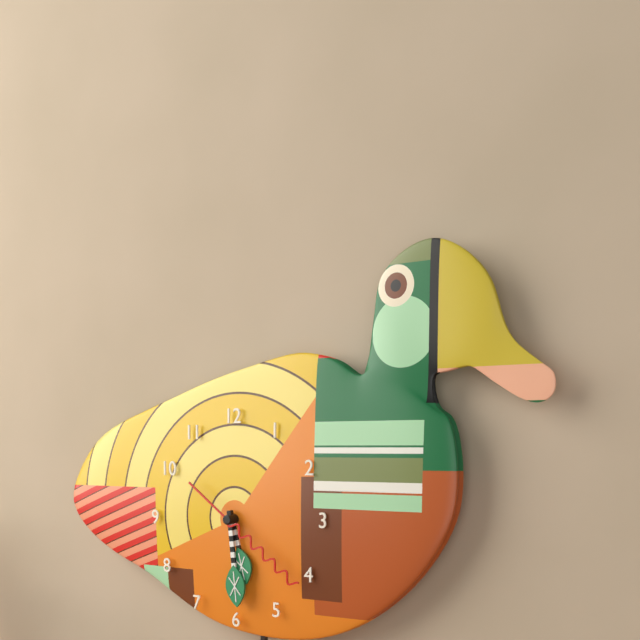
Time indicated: 5:29:21
